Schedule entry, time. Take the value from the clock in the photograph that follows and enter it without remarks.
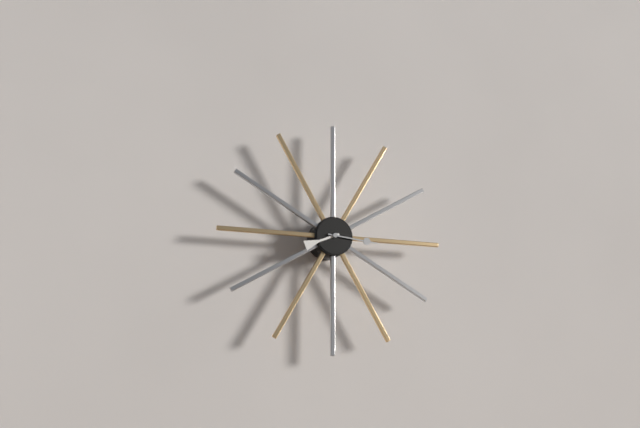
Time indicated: 8:16
